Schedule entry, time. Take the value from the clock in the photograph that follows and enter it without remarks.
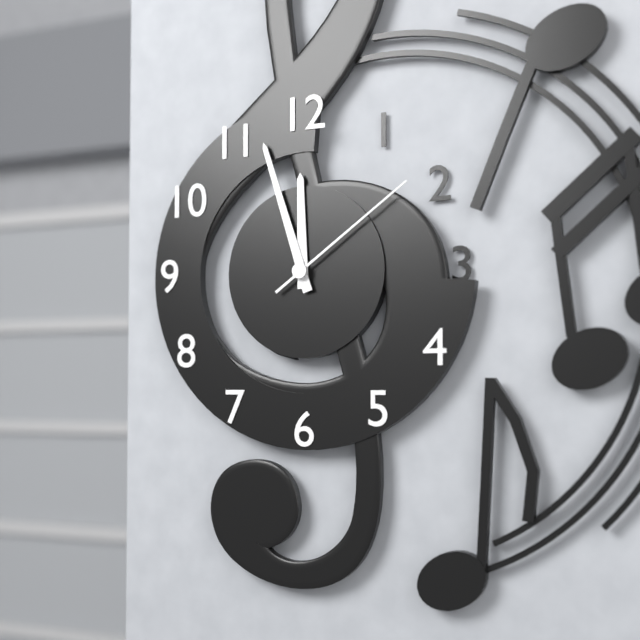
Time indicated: 11:57:09
